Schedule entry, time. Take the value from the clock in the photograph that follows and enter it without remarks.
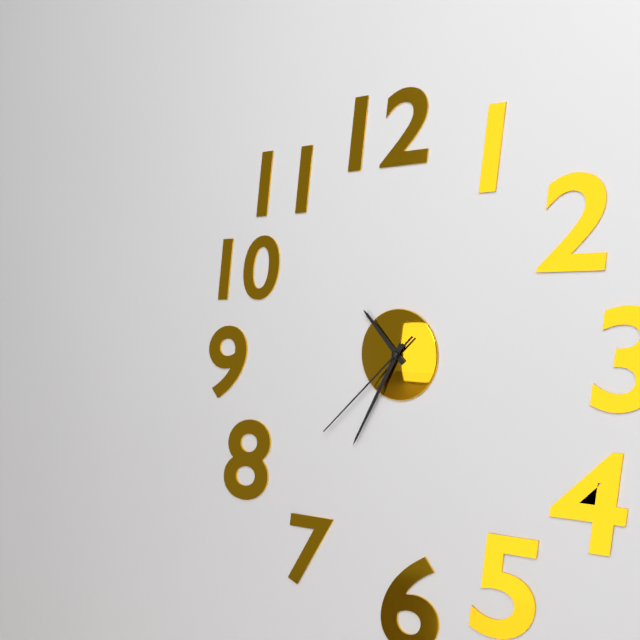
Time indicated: 10:35:38
